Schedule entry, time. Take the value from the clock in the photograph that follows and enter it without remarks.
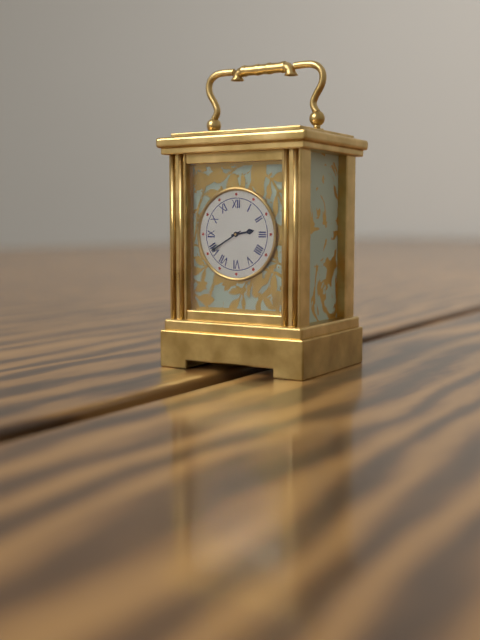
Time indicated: 2:40
